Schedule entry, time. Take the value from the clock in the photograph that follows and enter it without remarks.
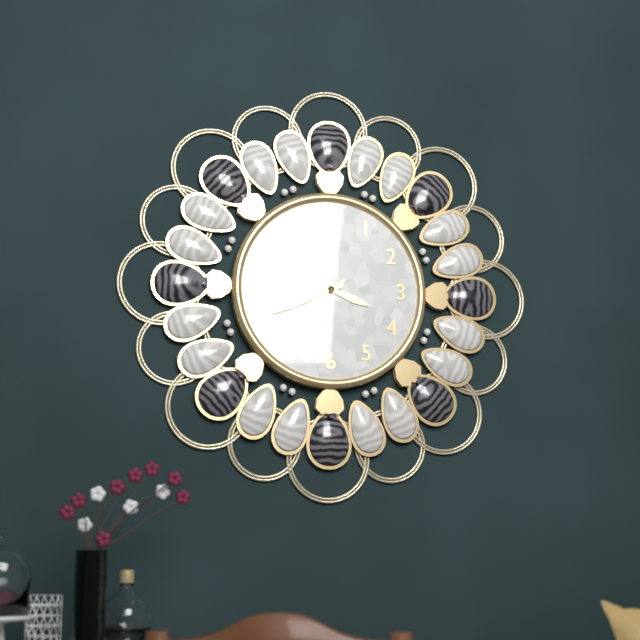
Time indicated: 3:41:39
